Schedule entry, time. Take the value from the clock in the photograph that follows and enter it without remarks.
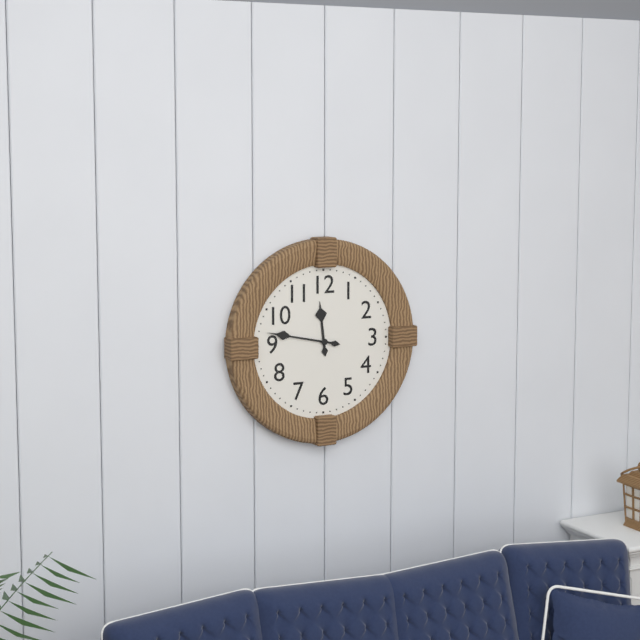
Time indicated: 11:47
